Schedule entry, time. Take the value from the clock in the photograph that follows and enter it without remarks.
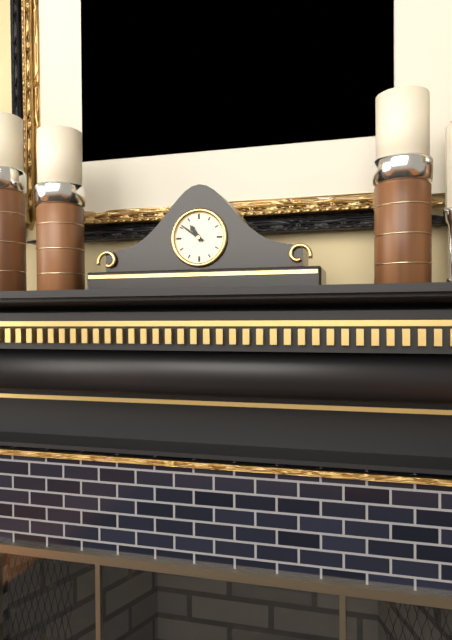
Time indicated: 10:51
